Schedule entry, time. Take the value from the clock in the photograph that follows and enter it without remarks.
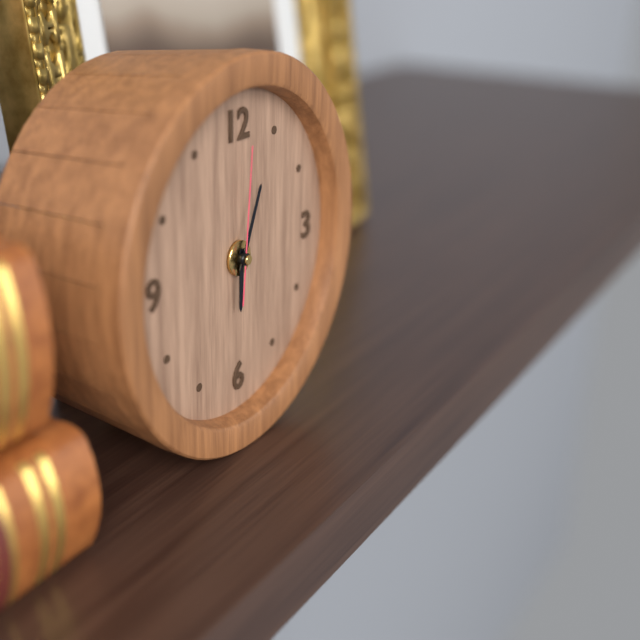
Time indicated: 6:04:01
